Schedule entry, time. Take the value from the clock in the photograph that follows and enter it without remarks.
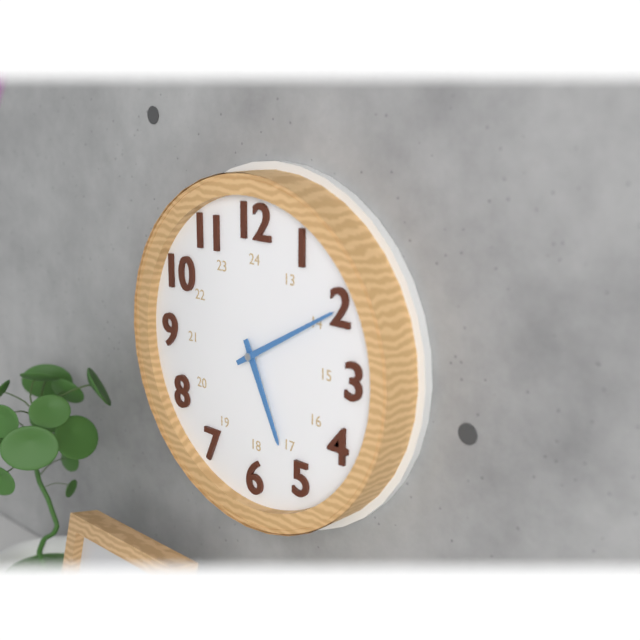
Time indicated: 5:10
